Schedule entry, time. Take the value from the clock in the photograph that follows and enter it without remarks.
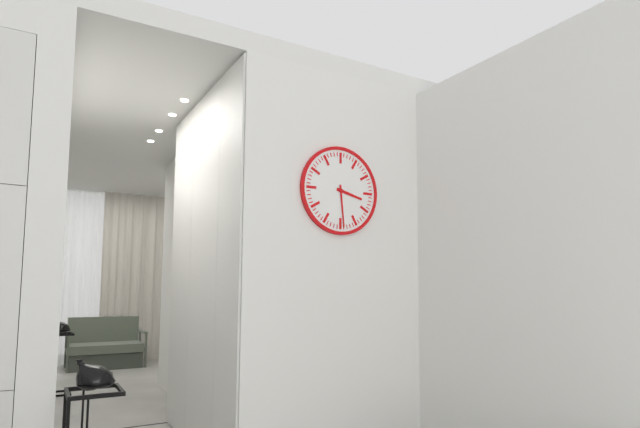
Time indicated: 3:29
